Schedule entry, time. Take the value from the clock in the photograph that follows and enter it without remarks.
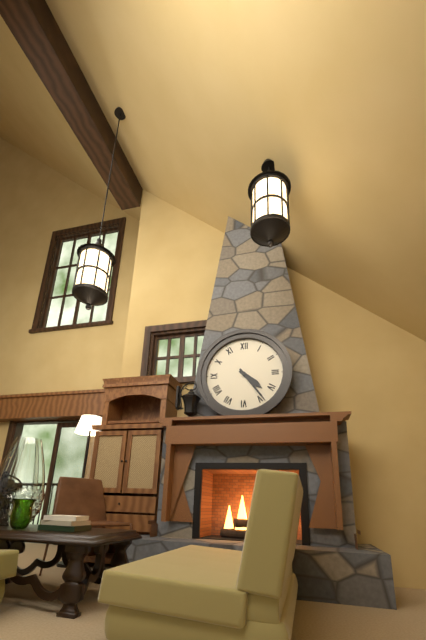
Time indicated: 4:24
